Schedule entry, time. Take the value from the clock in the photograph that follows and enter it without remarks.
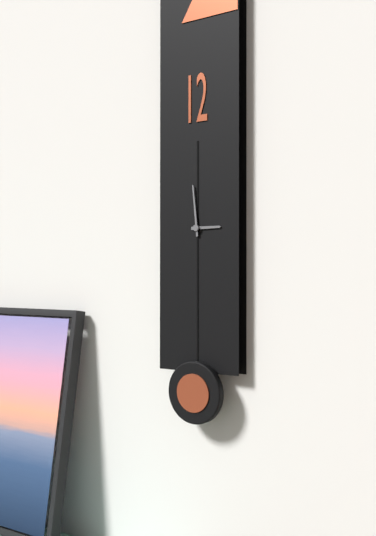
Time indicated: 2:59
